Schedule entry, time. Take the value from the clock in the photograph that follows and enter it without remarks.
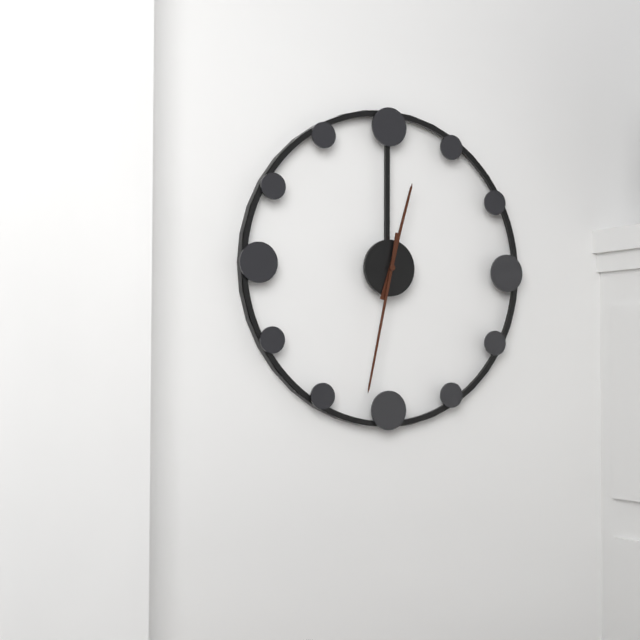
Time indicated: 12:32
